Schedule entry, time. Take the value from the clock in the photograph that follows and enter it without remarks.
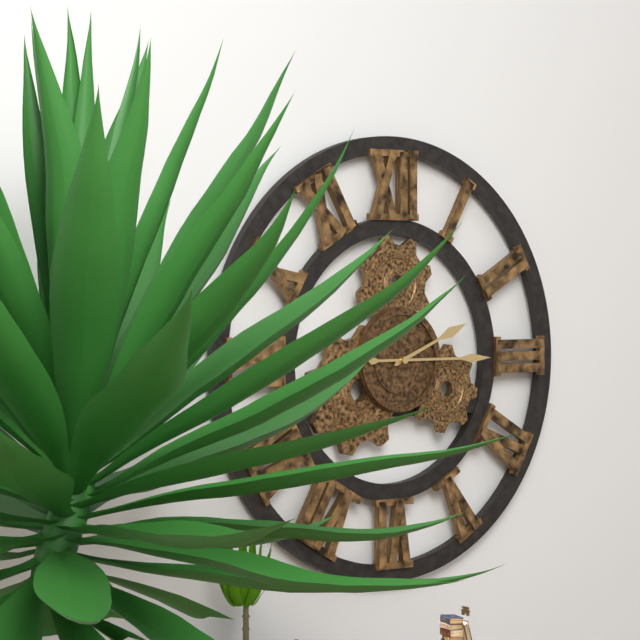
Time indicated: 2:15
